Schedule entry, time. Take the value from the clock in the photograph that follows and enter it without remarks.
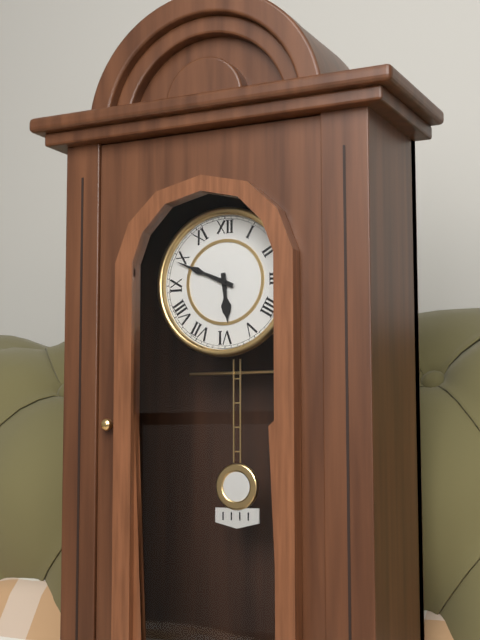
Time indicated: 5:49
